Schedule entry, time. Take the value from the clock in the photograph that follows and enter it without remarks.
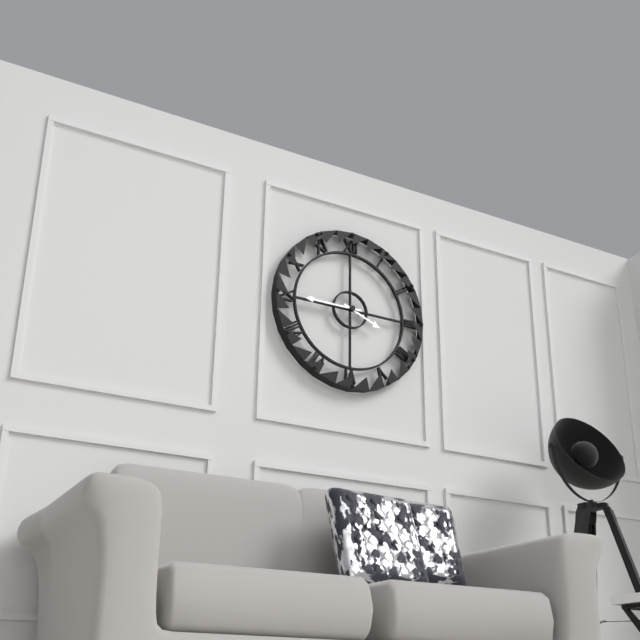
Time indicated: 3:45
